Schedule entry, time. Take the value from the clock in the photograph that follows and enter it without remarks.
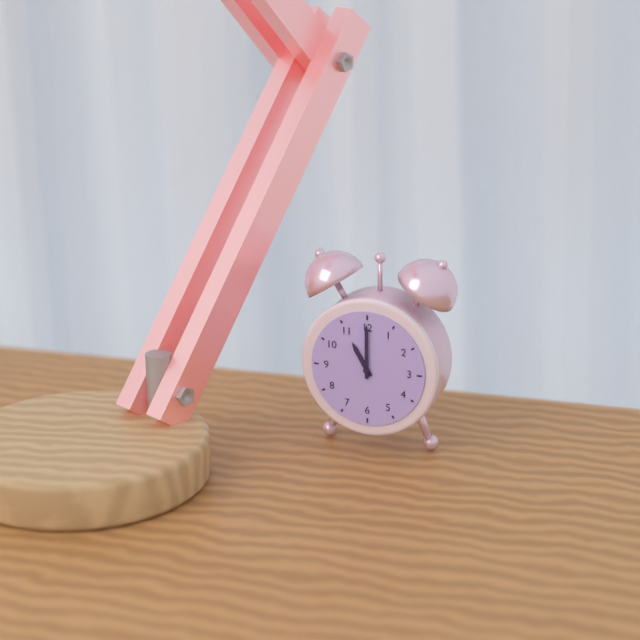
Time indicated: 11:00
